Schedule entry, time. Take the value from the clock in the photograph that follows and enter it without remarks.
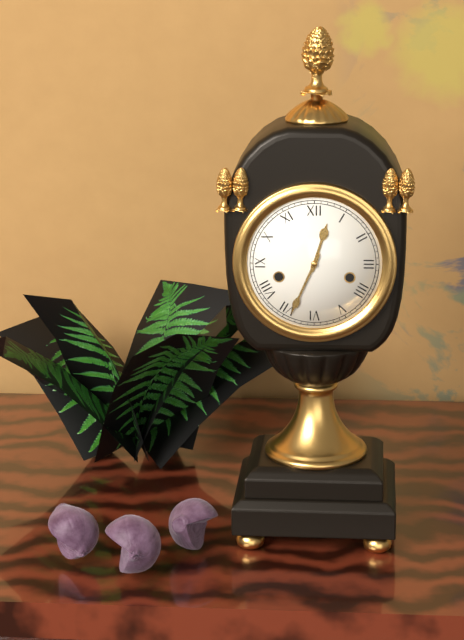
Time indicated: 12:34
